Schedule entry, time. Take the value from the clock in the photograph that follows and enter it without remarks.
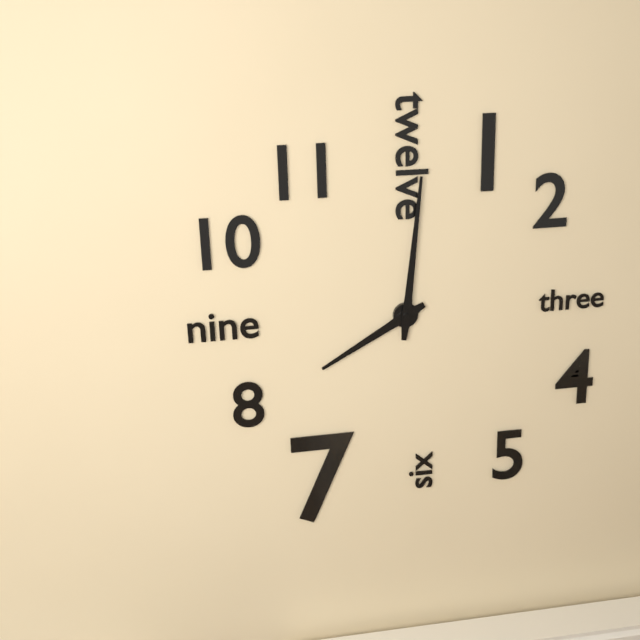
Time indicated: 8:01
